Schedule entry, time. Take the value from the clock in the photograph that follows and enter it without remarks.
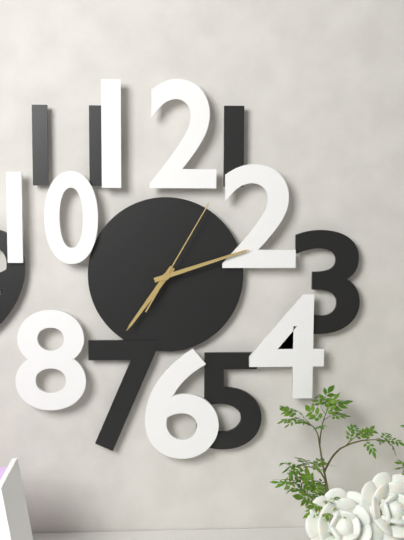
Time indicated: 7:12:05
